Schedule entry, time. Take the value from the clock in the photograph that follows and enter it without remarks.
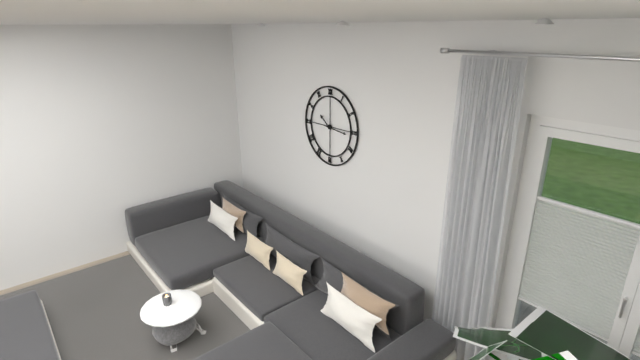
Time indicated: 10:16
